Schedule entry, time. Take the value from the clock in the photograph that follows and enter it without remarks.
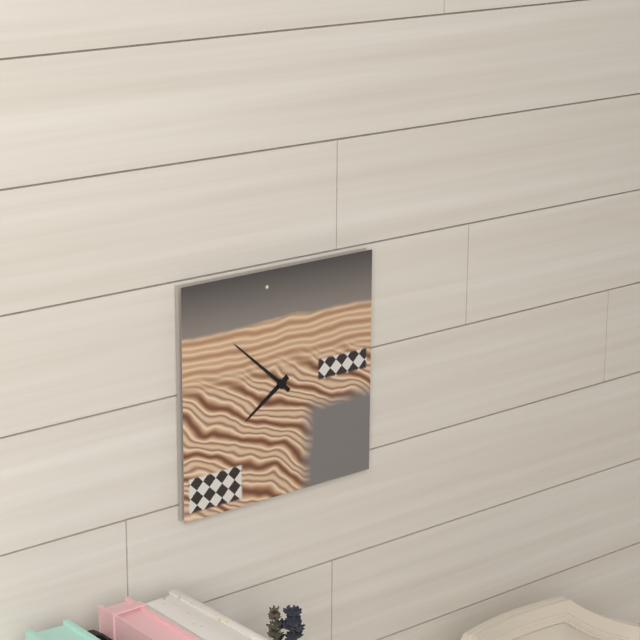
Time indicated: 7:52
